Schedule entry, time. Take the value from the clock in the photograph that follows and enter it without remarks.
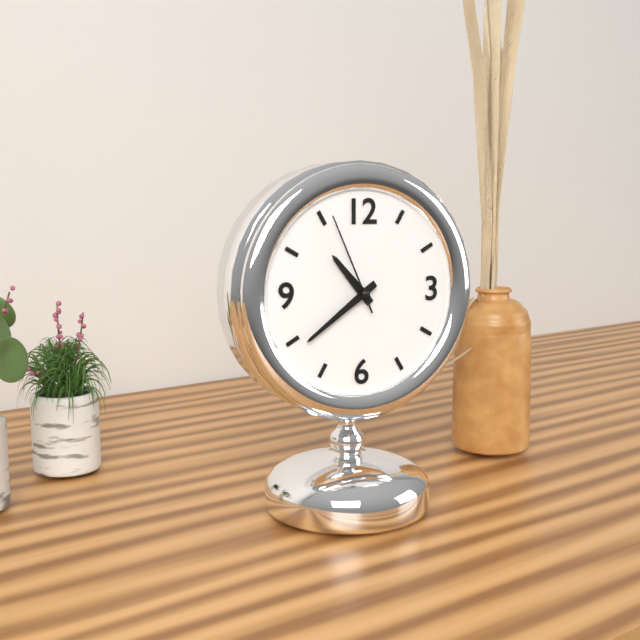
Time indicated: 10:39:56
